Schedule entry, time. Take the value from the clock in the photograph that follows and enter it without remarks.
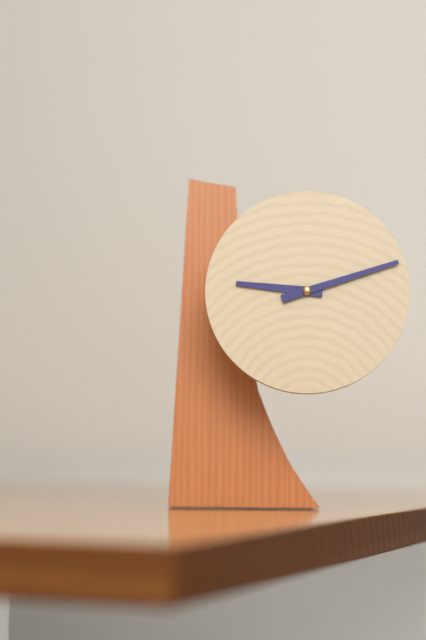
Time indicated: 9:12
